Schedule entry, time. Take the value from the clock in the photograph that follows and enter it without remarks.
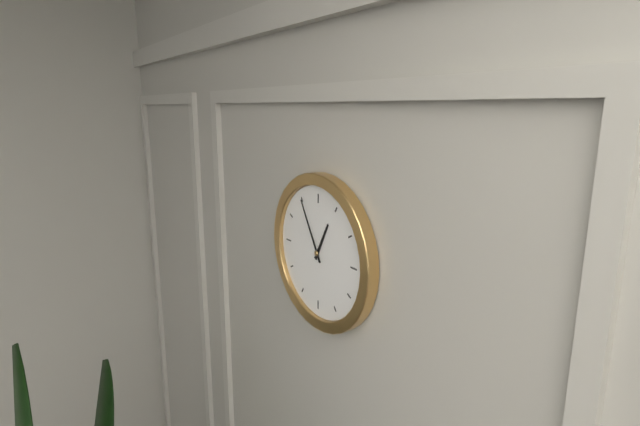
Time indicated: 12:55
